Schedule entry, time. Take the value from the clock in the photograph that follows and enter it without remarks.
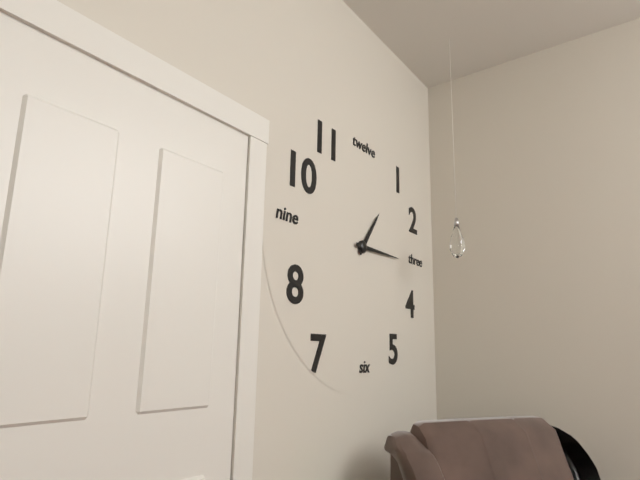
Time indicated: 1:15
